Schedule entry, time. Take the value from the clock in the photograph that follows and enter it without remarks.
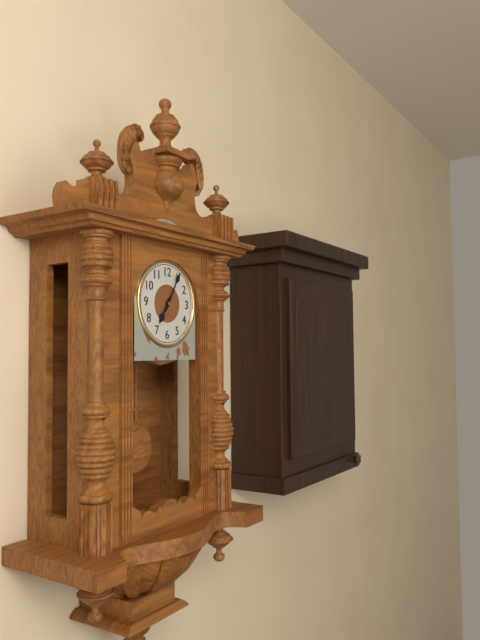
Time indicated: 7:05
